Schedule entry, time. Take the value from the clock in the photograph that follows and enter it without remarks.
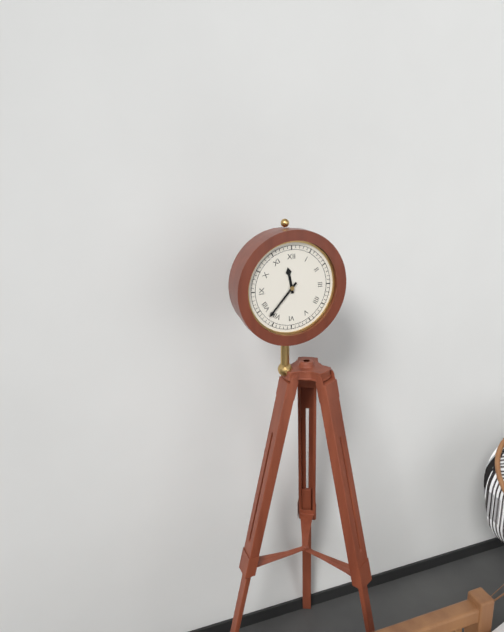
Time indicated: 11:37
